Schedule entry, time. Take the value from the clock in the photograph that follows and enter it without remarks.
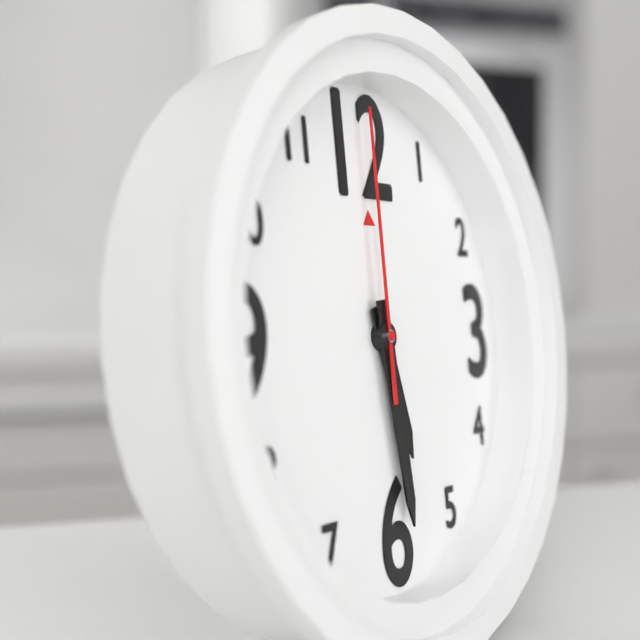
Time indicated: 5:29:00
